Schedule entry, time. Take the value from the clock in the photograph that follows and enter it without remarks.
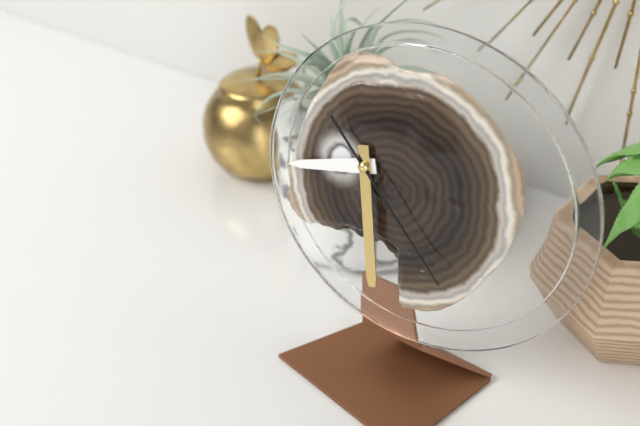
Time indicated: 8:28:22
